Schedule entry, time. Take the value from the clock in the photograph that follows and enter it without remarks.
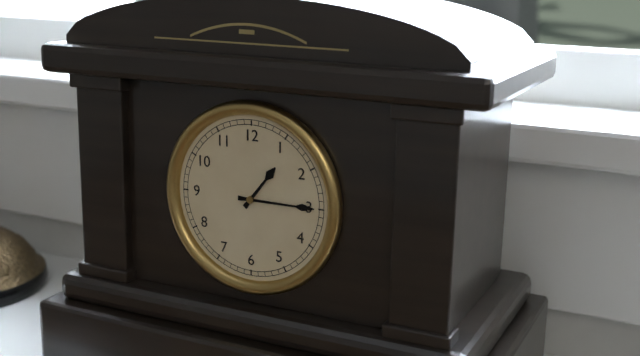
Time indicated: 1:15
